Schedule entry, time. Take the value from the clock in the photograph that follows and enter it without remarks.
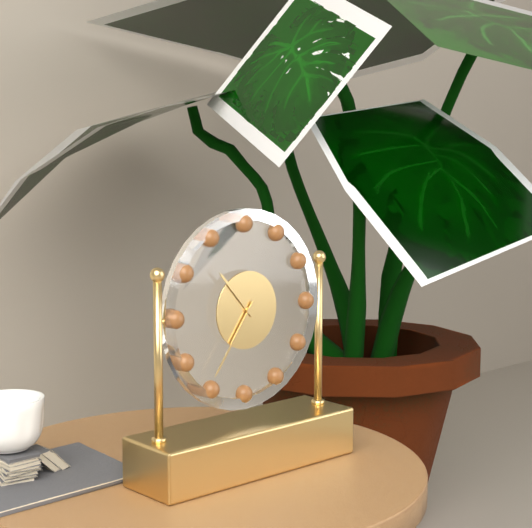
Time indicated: 10:36
